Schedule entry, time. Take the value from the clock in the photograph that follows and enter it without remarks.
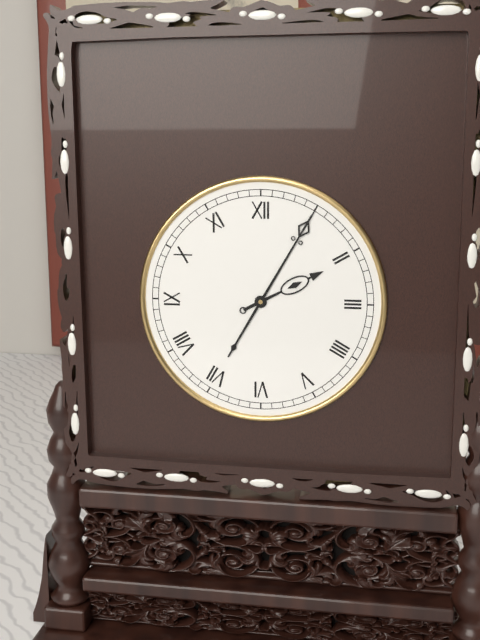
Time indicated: 2:05
